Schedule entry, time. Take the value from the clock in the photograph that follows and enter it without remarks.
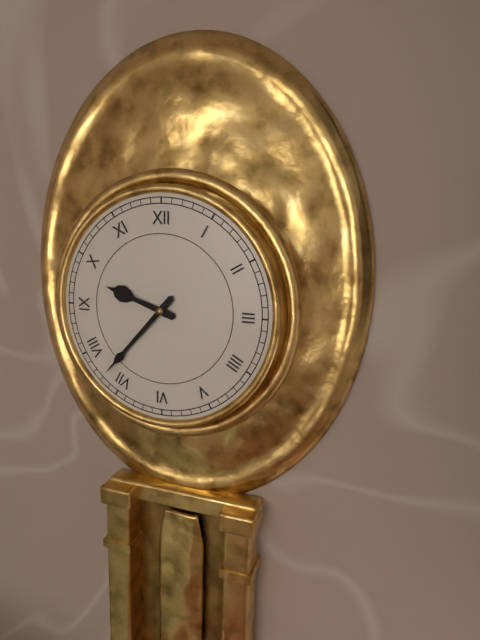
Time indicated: 9:37
